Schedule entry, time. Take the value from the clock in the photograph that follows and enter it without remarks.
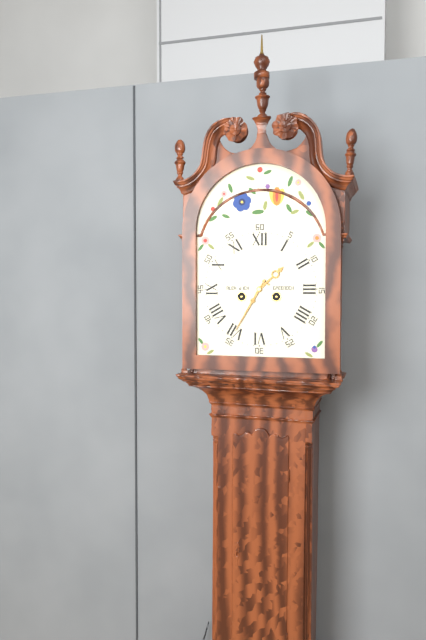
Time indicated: 1:35
